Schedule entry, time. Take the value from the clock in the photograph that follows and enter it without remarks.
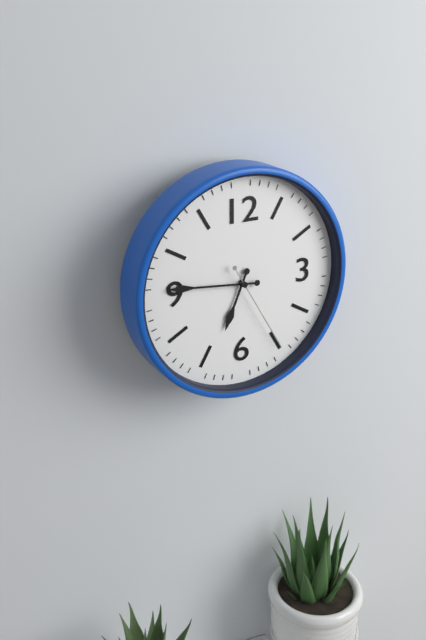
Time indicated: 6:46:25
